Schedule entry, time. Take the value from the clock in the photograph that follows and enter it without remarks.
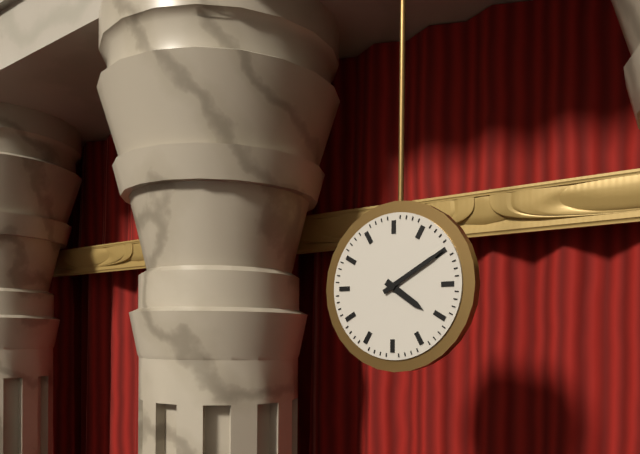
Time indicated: 4:10
